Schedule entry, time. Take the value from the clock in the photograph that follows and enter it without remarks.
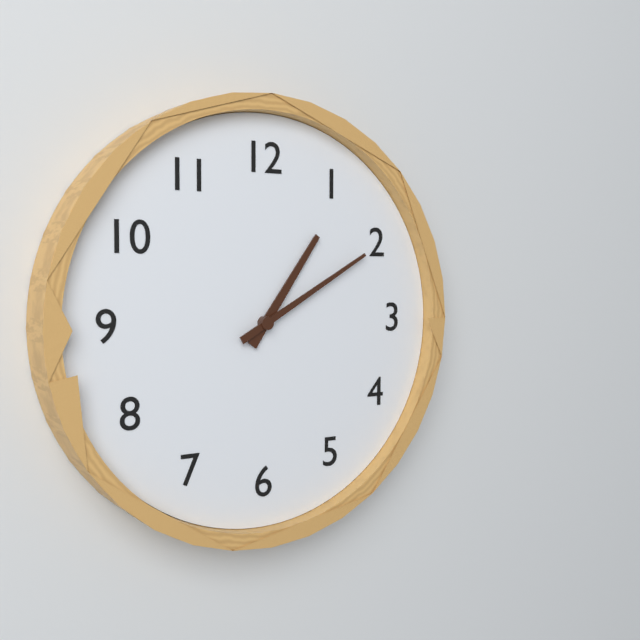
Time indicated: 1:10
